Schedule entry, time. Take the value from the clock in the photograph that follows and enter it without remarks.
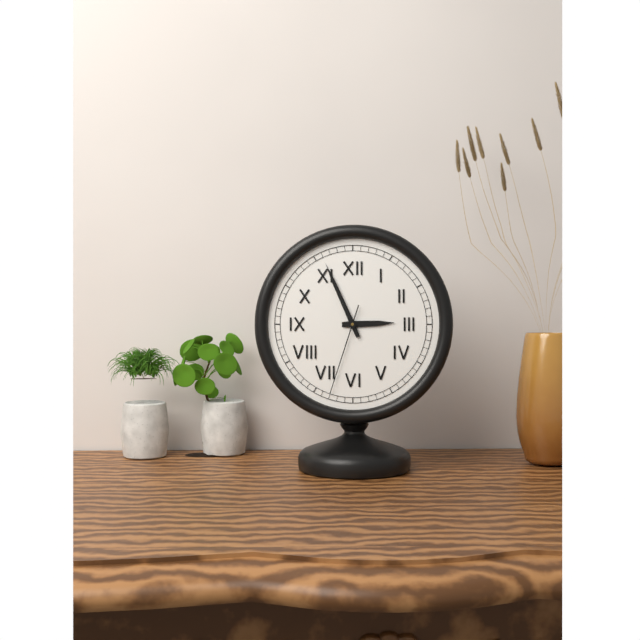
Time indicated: 2:56:33
